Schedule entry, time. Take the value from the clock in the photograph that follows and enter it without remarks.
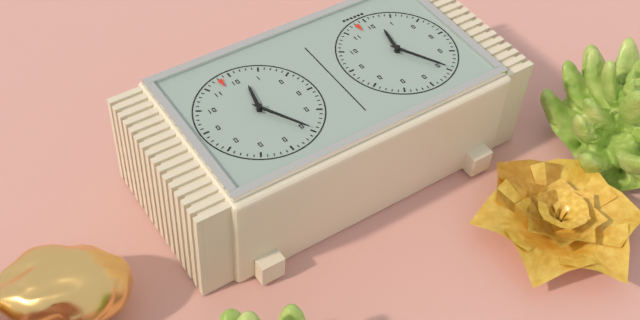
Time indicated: 12:25
